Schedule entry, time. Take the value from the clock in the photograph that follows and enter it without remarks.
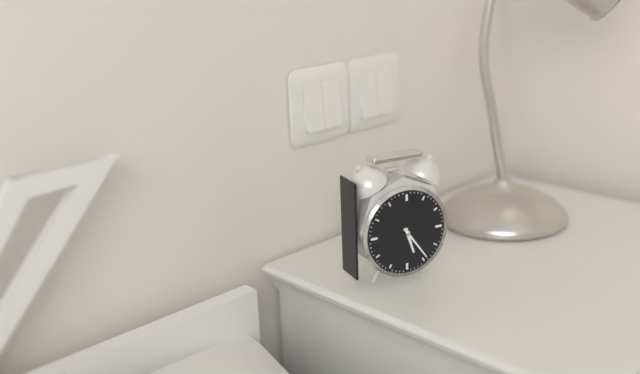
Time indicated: 5:24
